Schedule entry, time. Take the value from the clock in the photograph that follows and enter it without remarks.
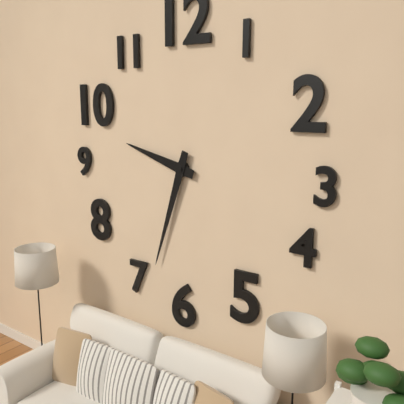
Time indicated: 9:33
